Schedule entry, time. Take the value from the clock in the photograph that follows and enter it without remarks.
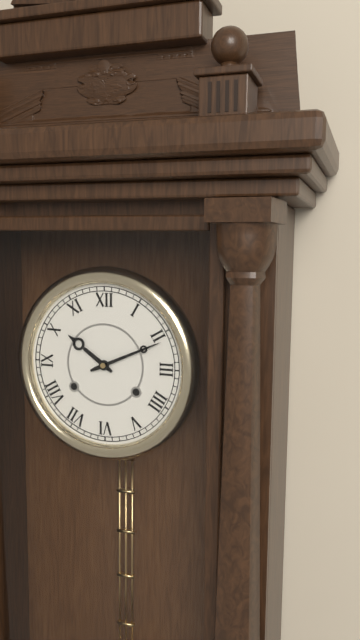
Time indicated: 10:11
